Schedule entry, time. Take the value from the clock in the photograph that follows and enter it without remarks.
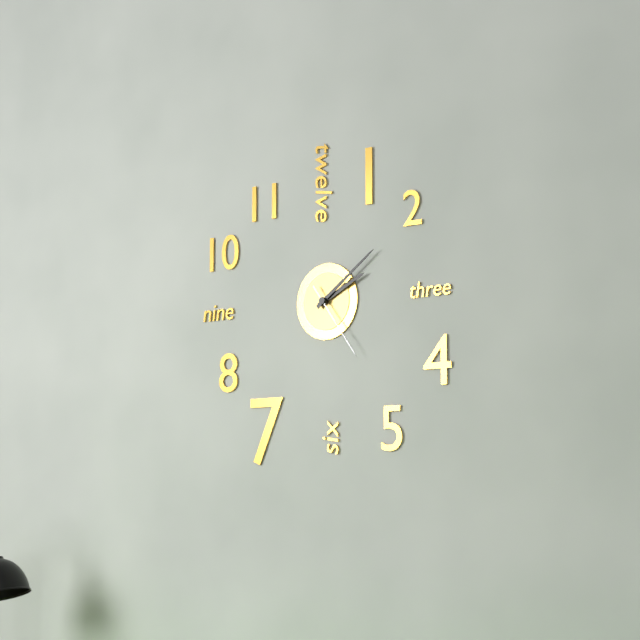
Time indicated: 2:09:24
